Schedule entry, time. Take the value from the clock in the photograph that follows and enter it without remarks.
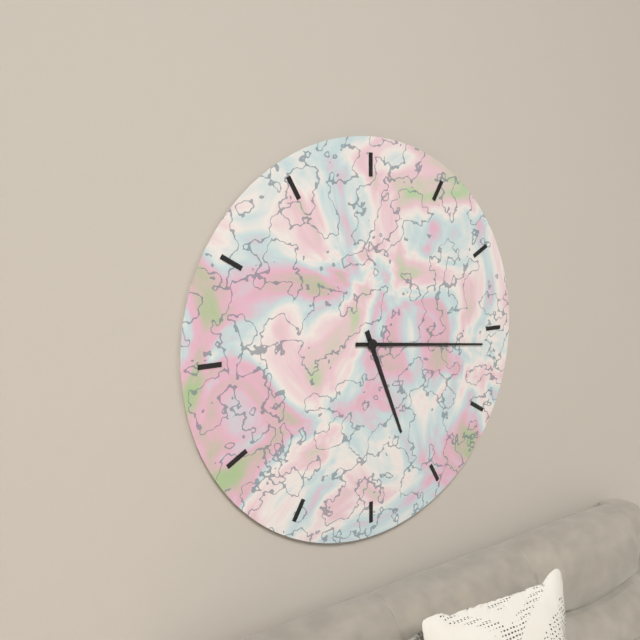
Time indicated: 5:16
